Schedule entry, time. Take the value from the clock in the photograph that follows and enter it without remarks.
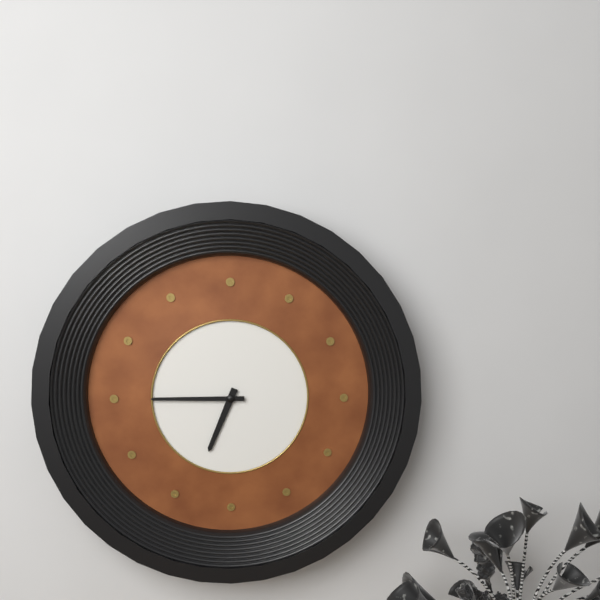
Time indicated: 6:45
